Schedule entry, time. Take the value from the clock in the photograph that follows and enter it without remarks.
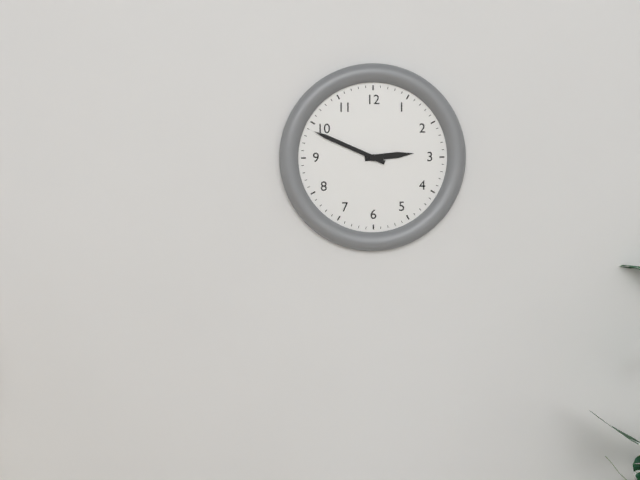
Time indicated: 2:49
